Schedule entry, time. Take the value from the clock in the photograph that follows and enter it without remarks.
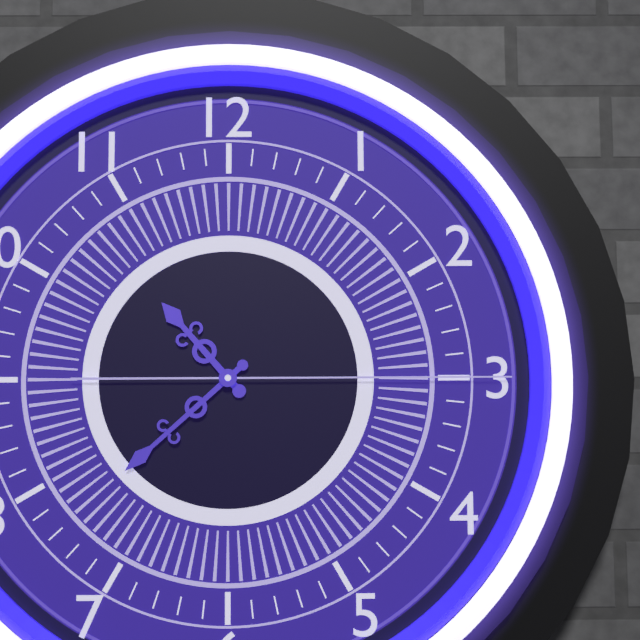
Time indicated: 10:38:15
